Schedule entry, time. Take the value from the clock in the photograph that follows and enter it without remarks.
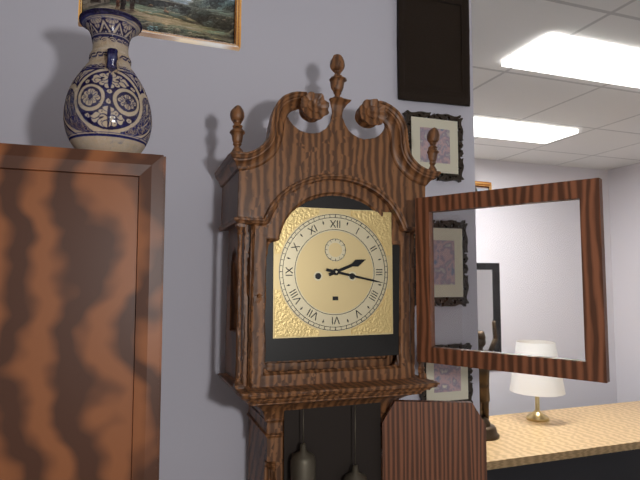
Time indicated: 2:17
